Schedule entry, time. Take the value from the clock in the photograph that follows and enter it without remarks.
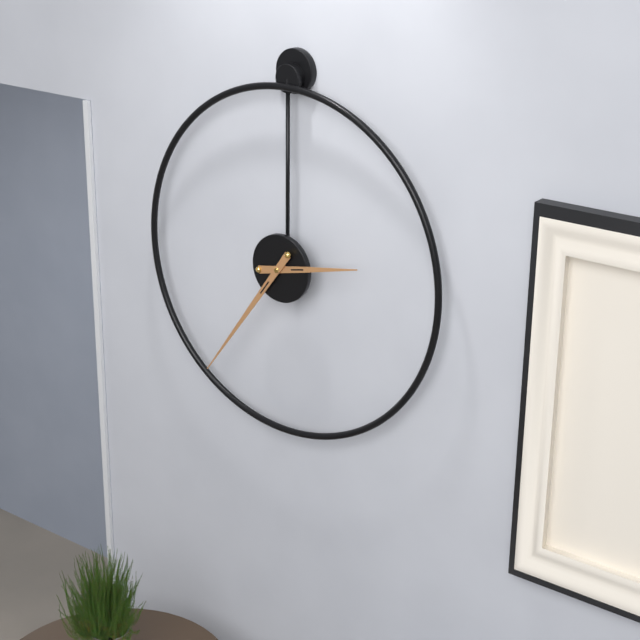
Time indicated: 2:36
